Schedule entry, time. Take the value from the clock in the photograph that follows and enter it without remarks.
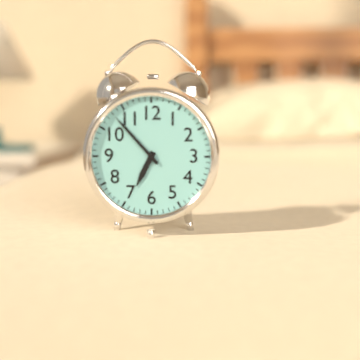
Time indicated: 6:53
